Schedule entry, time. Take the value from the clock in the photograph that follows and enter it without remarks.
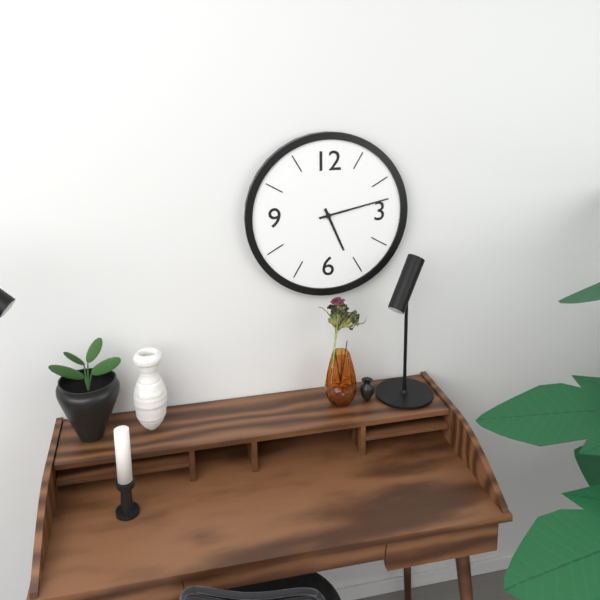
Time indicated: 5:13
